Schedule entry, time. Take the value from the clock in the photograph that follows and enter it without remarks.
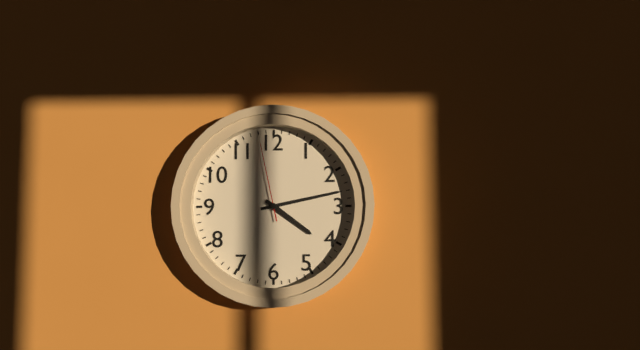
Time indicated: 4:13:58
